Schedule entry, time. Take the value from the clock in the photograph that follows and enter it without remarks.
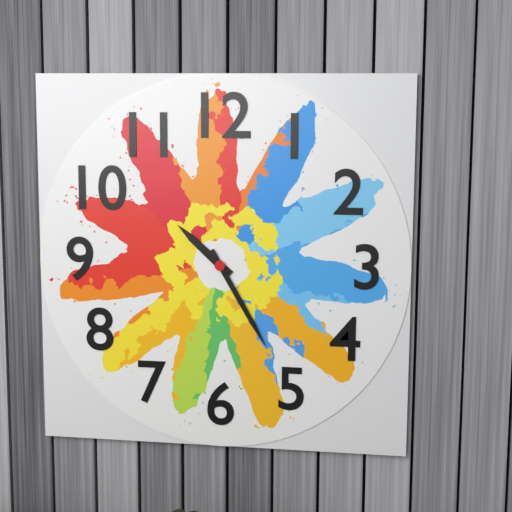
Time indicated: 10:25
